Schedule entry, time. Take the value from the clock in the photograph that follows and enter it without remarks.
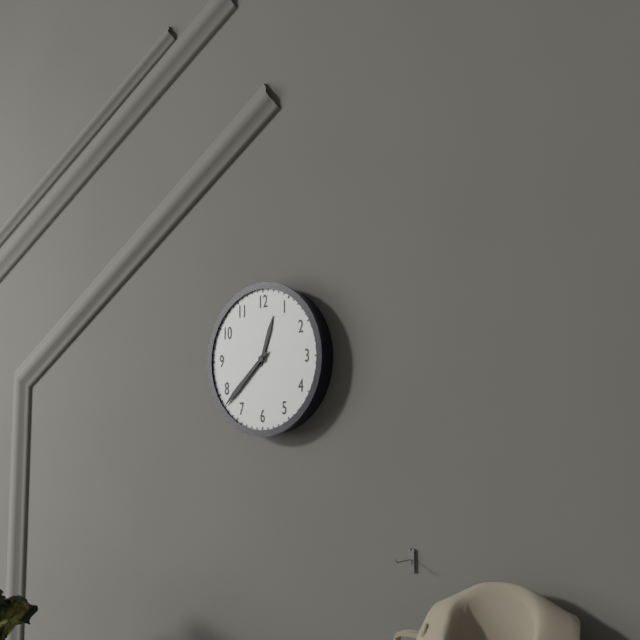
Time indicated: 12:38
